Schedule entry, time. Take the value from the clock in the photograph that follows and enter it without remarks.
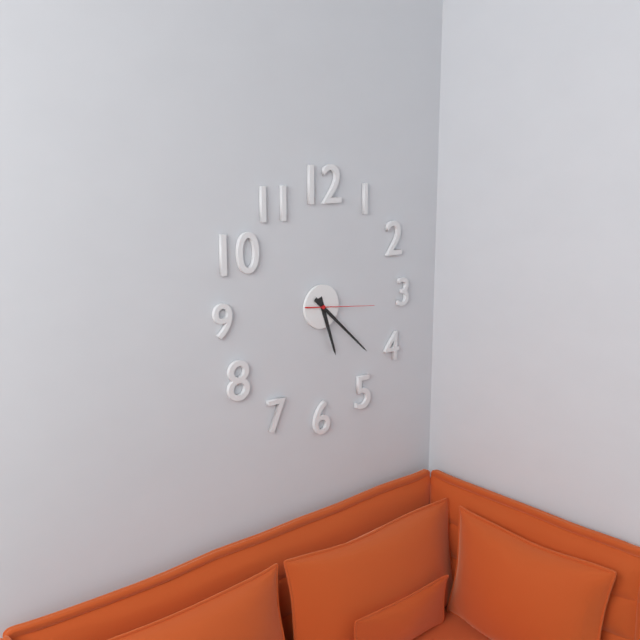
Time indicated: 5:22:16
